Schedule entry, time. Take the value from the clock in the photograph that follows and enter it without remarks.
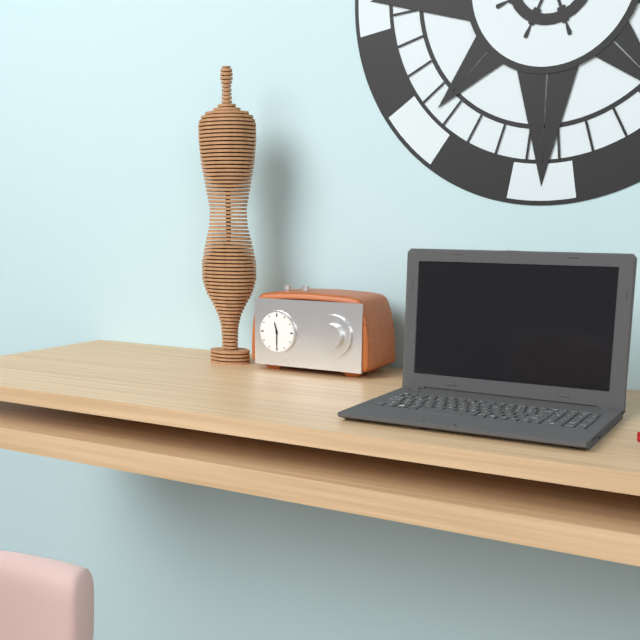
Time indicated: 11:30
